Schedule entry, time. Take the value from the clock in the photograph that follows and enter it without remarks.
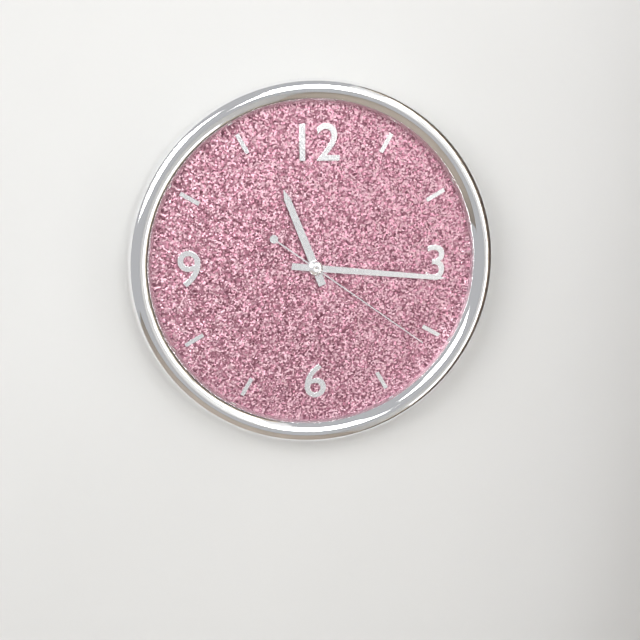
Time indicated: 11:16:21
